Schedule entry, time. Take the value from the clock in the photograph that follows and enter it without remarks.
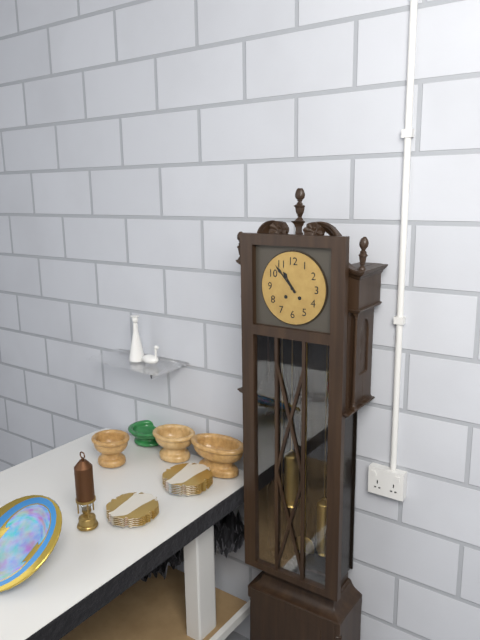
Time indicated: 10:53
